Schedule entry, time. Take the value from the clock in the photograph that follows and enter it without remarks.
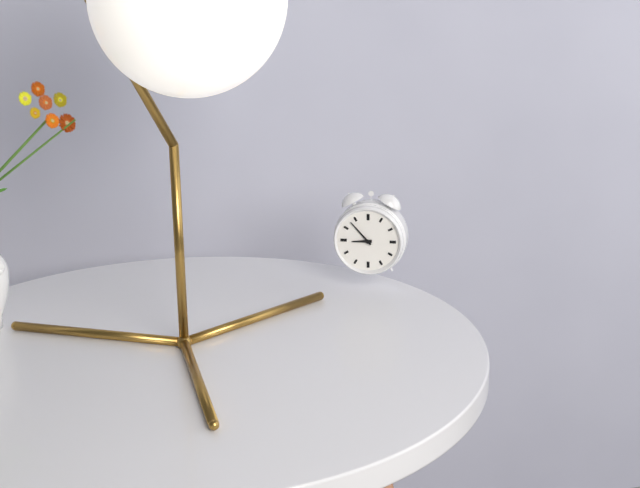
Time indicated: 8:53
